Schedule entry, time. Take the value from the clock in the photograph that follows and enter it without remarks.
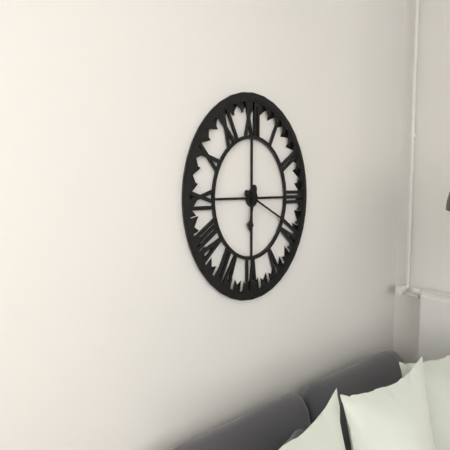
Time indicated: 6:19
